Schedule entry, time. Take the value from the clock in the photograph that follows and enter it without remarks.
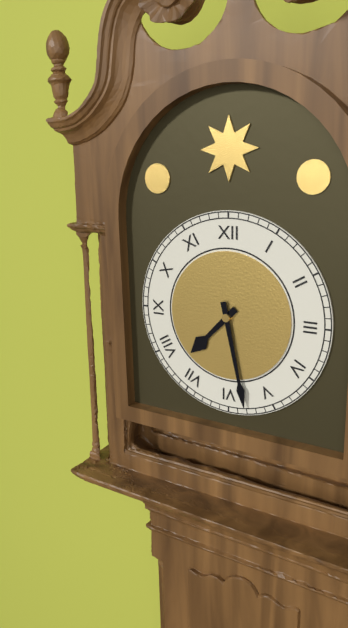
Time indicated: 7:28
